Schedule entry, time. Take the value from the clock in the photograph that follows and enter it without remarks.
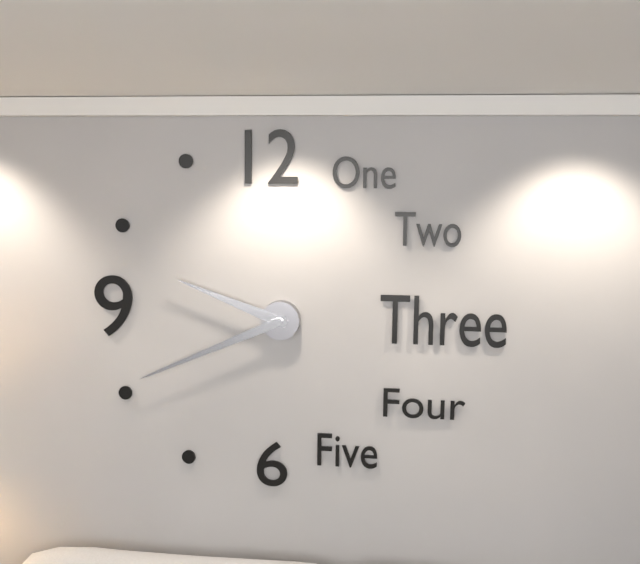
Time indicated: 9:41
